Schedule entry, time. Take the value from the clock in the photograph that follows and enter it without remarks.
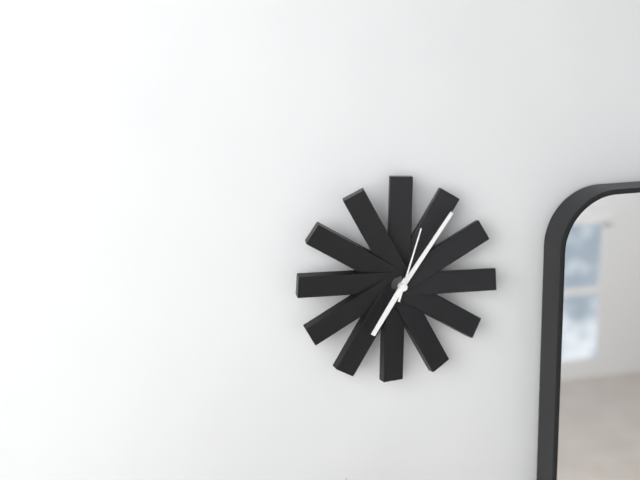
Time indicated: 7:06:03
